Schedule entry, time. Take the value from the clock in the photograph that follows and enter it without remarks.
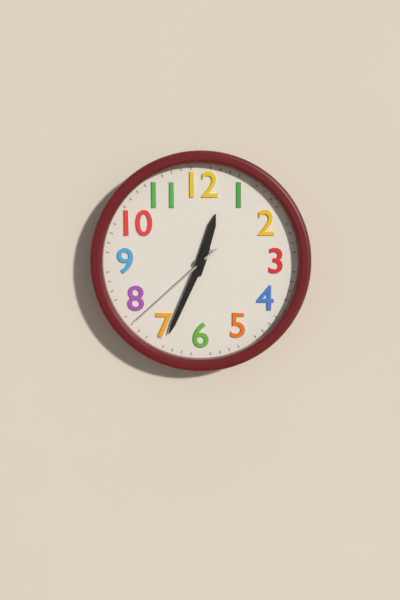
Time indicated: 12:34:38
